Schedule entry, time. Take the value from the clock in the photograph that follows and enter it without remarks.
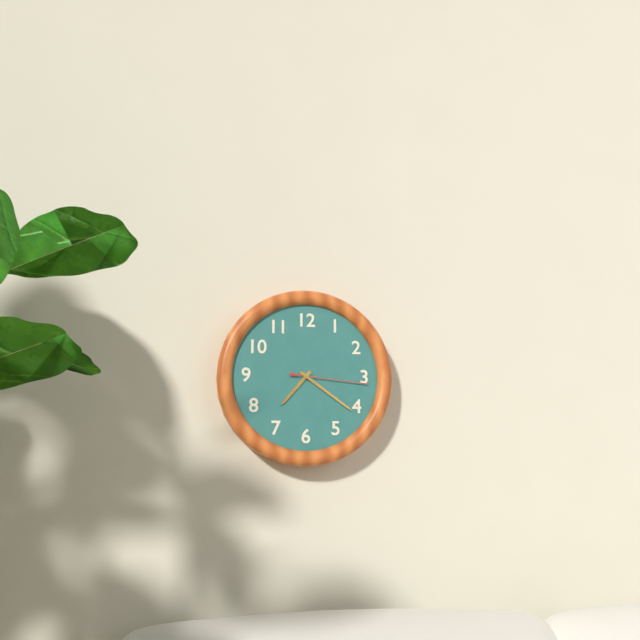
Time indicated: 7:21:16
